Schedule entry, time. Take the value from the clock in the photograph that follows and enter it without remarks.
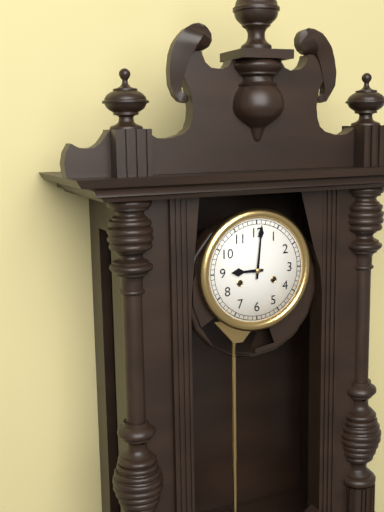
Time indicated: 9:01
